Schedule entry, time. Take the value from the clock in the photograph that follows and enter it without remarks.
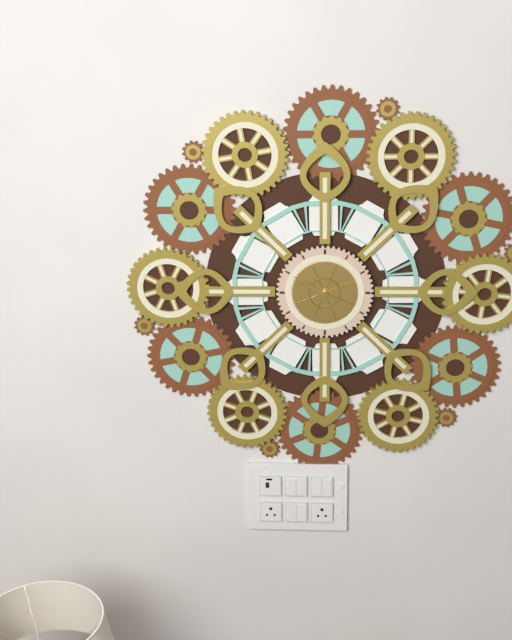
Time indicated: 9:50
